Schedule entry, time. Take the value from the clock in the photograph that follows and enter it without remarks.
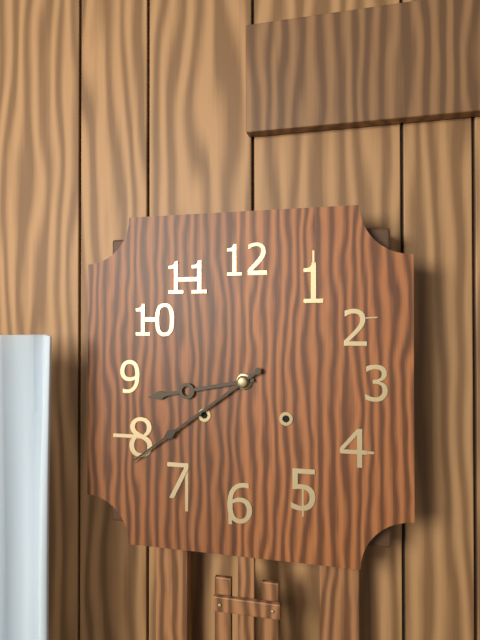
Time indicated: 8:39
